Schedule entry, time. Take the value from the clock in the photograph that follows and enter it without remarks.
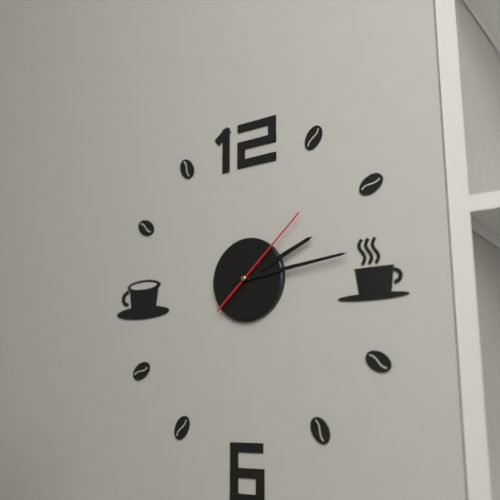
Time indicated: 2:14:08
